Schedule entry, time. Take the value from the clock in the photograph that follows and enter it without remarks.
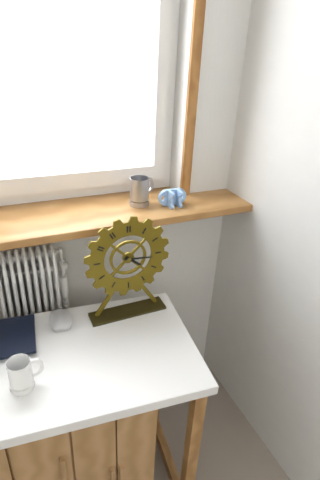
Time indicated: 4:16
